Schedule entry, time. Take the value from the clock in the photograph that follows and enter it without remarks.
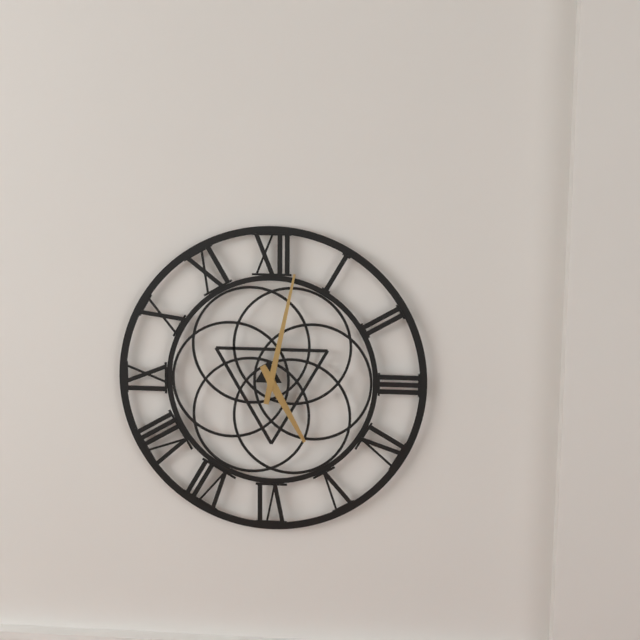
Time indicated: 5:02
